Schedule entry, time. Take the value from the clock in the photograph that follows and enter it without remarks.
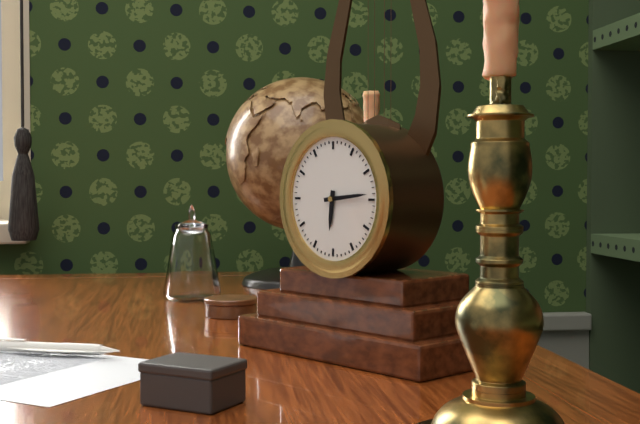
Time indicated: 6:14
